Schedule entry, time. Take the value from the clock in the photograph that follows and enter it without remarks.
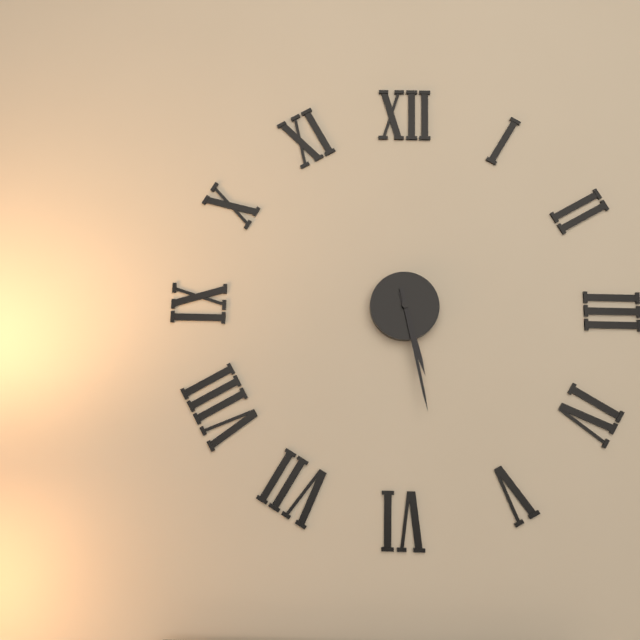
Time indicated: 5:28
